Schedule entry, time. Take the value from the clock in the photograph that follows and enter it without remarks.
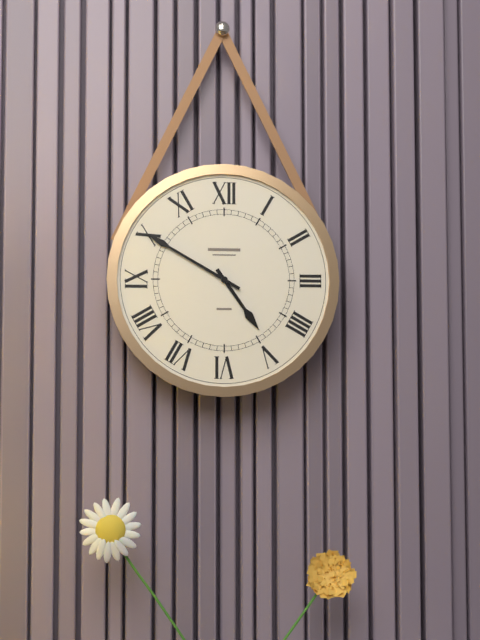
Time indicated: 4:50
